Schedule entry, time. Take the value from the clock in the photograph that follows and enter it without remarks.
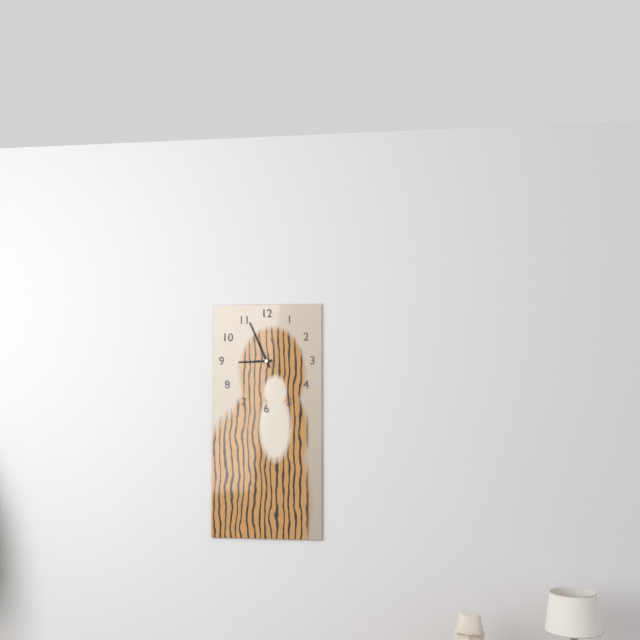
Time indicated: 8:56
